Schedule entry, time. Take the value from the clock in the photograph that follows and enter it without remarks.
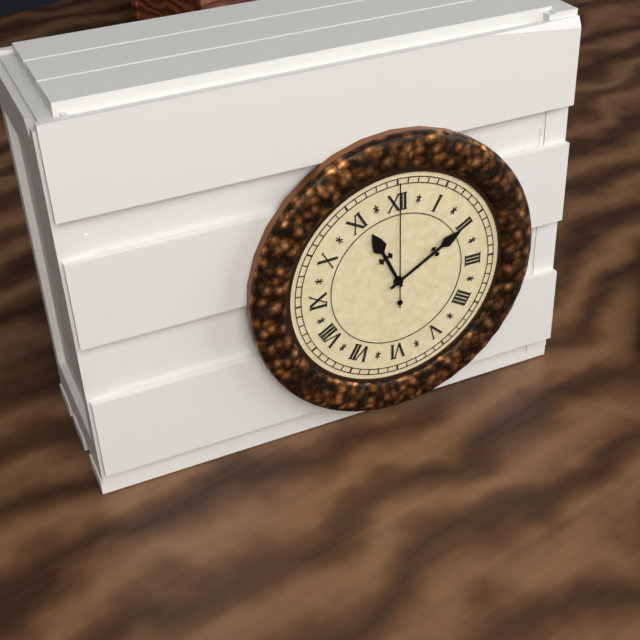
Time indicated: 11:10:00
